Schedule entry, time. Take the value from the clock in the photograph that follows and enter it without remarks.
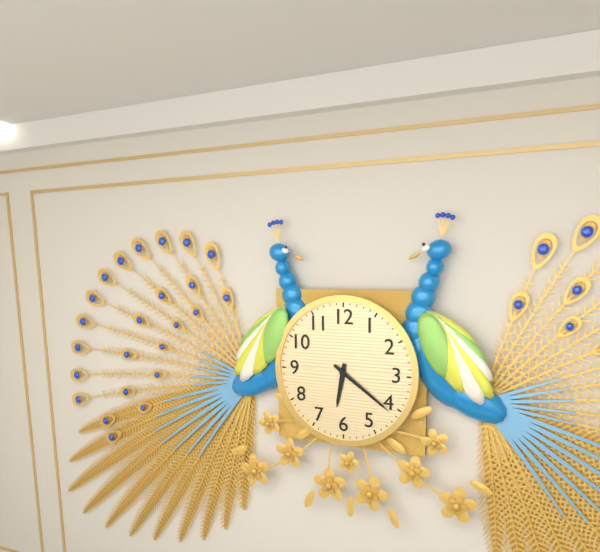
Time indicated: 6:21
